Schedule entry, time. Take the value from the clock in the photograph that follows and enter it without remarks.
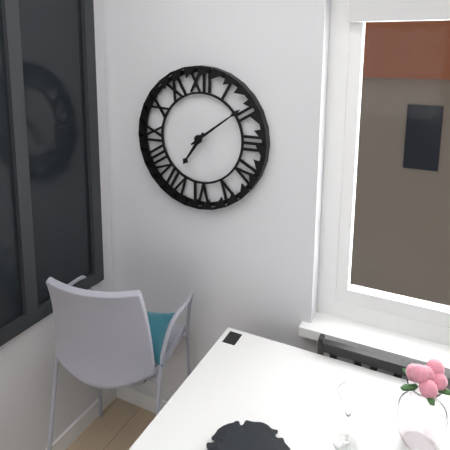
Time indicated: 7:09
